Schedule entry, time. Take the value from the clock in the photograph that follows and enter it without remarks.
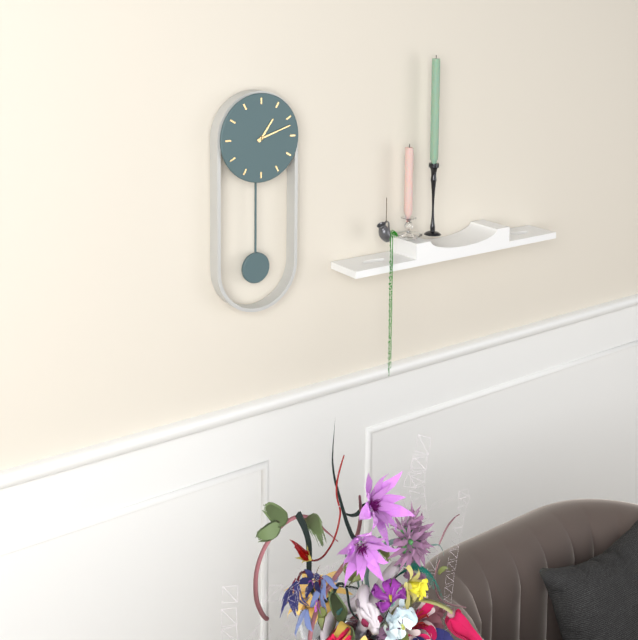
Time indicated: 1:12
